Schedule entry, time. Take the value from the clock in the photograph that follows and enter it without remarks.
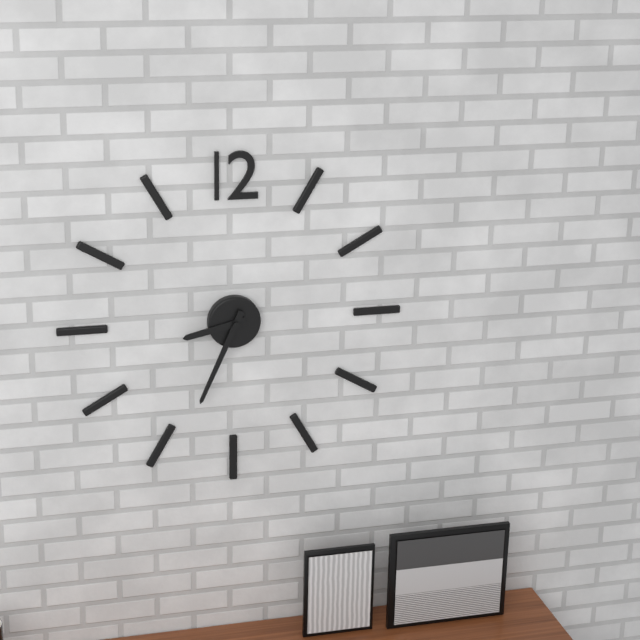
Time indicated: 8:34
